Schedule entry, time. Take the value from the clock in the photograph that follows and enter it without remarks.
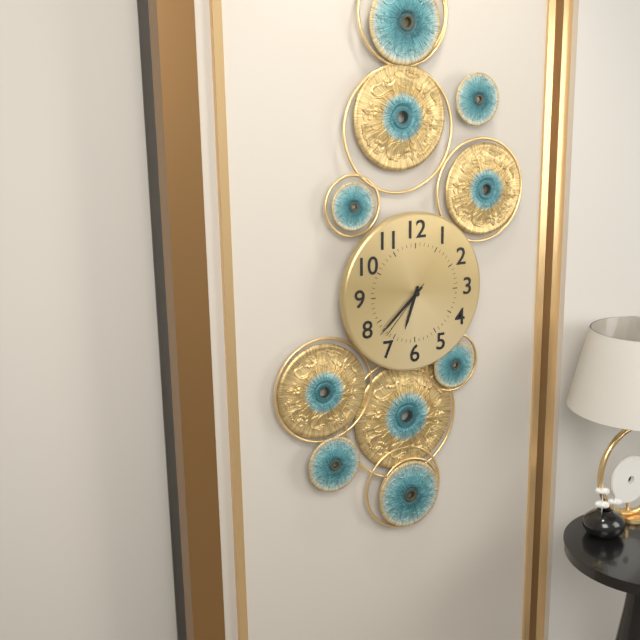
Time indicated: 6:38:37
